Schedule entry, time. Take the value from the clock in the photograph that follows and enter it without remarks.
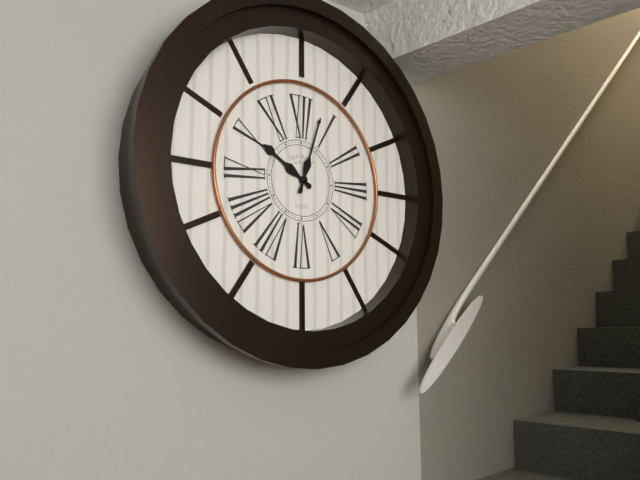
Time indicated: 10:03
